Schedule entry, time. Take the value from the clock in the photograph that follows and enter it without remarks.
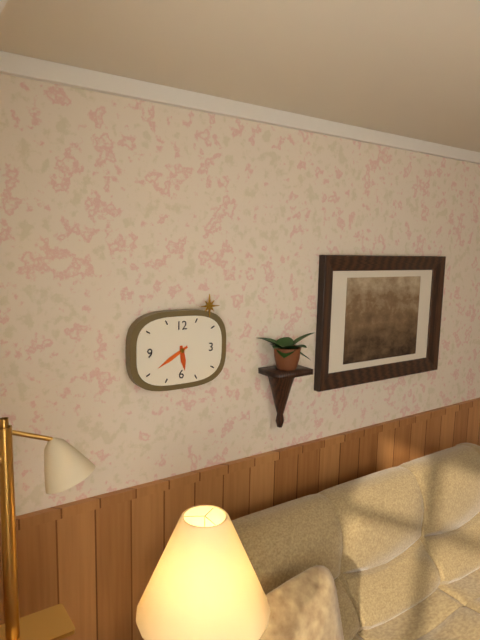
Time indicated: 5:40
